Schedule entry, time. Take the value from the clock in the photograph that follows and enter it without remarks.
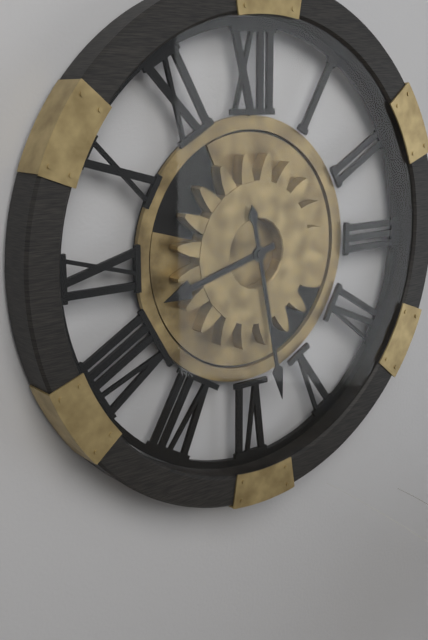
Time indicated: 8:28
